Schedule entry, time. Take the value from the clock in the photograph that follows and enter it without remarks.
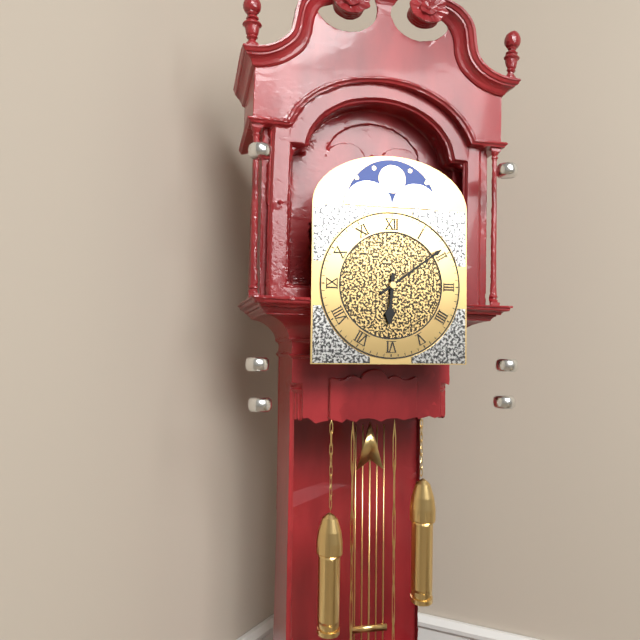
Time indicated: 6:09
